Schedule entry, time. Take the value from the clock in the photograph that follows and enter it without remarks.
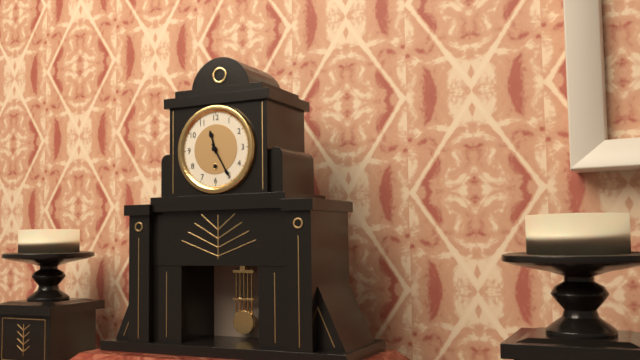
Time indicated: 11:25
